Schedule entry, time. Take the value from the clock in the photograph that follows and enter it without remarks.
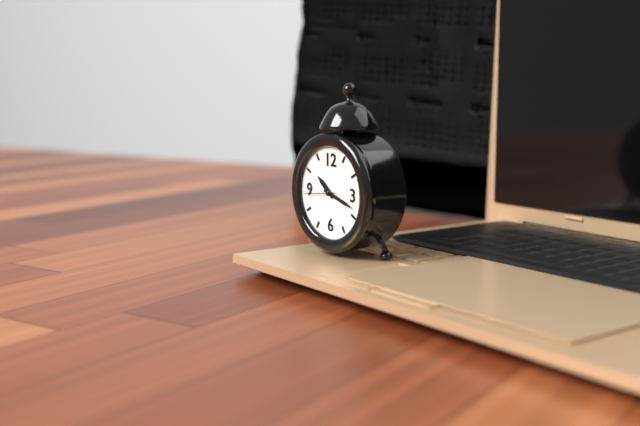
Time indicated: 10:18
